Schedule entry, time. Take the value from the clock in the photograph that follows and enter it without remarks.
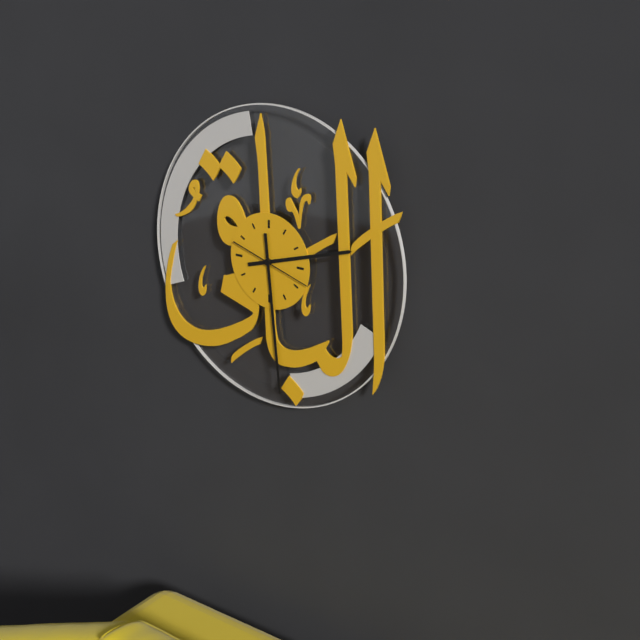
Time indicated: 2:29
